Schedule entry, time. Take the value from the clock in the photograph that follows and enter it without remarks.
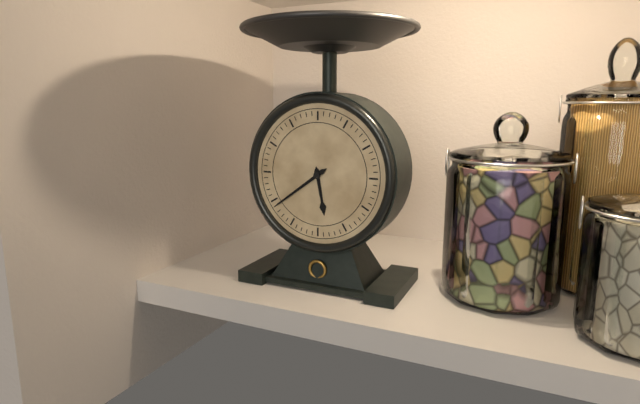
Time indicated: 5:39
